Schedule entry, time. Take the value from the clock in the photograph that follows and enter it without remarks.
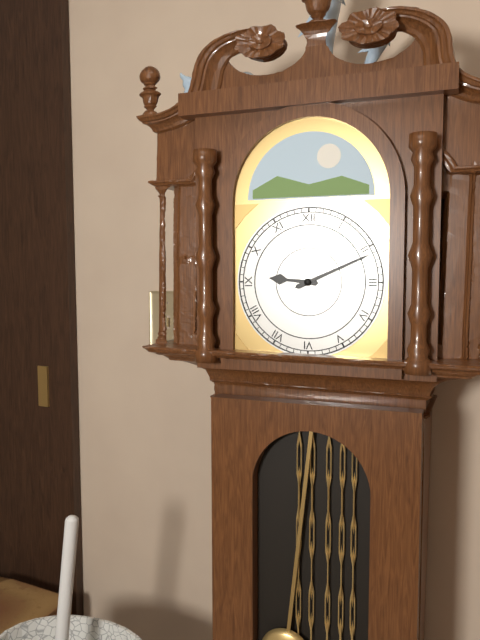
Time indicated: 9:11
